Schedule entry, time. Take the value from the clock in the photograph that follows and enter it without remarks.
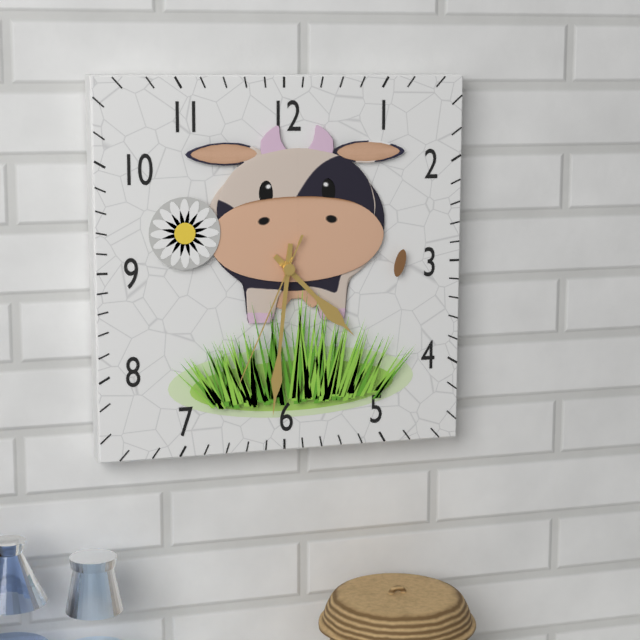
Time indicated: 4:31:34
